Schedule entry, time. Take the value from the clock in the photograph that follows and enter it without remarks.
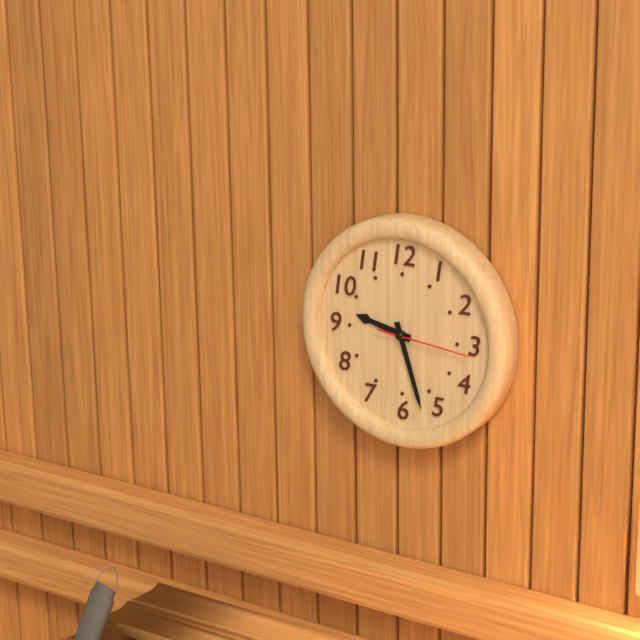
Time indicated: 9:27:16
